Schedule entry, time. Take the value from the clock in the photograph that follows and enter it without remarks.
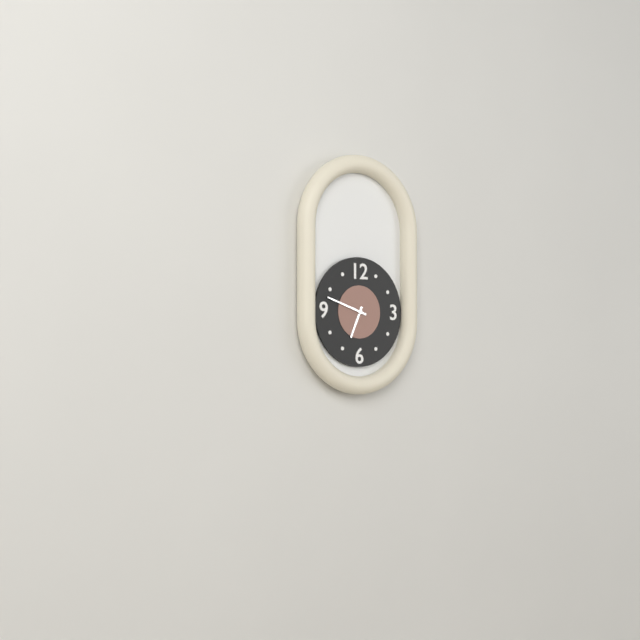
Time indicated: 6:48
